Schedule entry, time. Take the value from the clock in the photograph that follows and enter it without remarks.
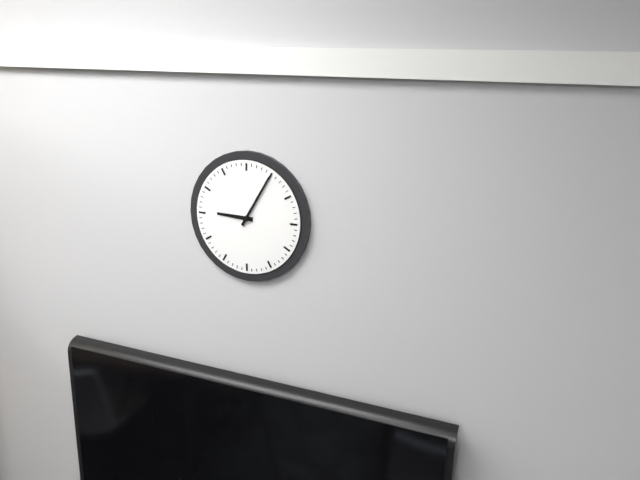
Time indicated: 9:05
